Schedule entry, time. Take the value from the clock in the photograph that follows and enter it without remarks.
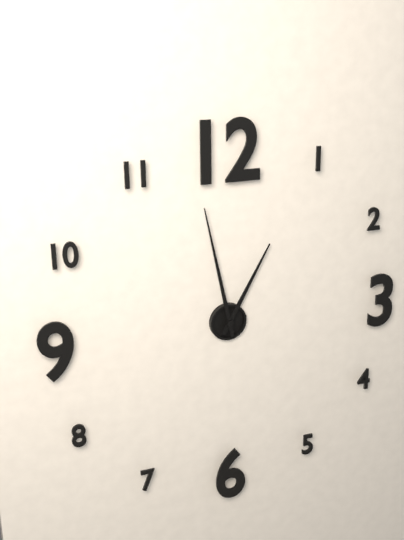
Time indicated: 12:58
